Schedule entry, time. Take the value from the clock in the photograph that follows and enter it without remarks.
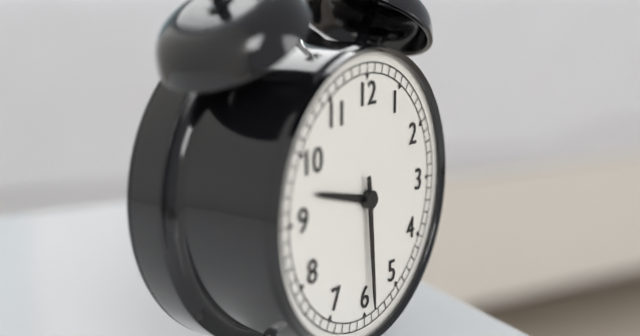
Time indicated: 9:29
